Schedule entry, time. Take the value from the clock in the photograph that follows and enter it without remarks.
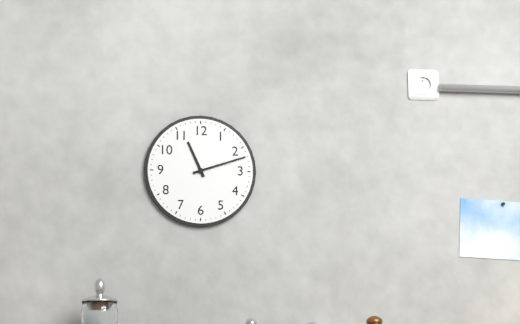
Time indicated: 11:12
